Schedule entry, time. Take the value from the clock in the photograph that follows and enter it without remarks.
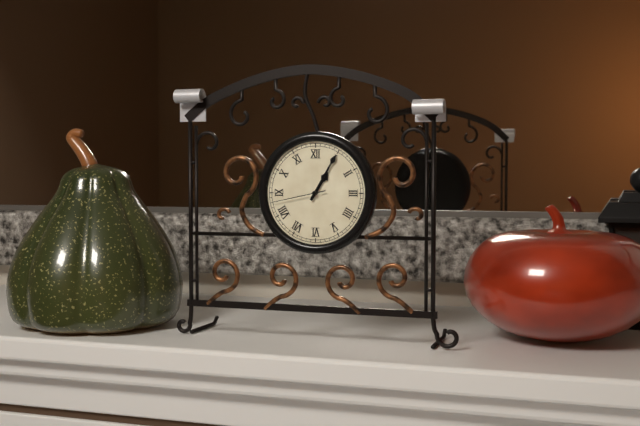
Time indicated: 1:05:43
